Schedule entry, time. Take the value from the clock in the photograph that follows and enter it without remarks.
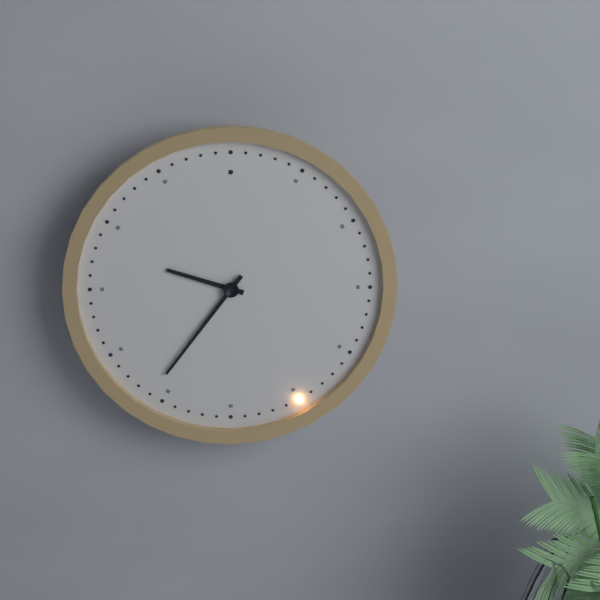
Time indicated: 9:36
